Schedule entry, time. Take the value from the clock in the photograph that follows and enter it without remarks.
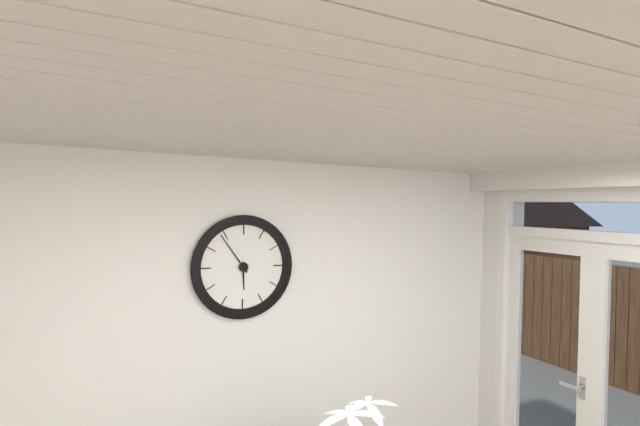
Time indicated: 5:54
